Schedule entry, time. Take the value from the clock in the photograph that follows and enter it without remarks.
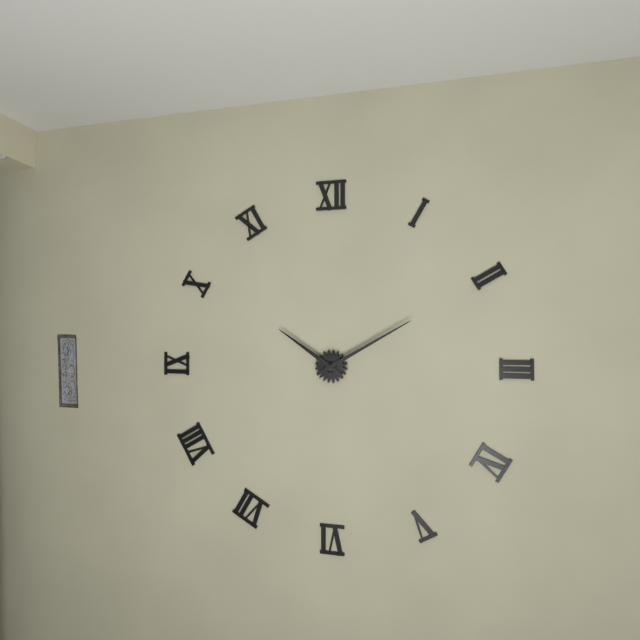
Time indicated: 10:10
